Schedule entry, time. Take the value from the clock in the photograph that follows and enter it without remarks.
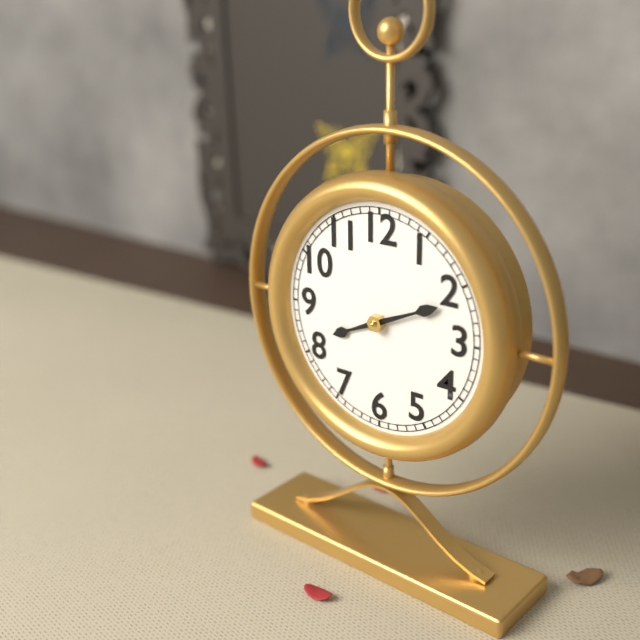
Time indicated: 8:11
